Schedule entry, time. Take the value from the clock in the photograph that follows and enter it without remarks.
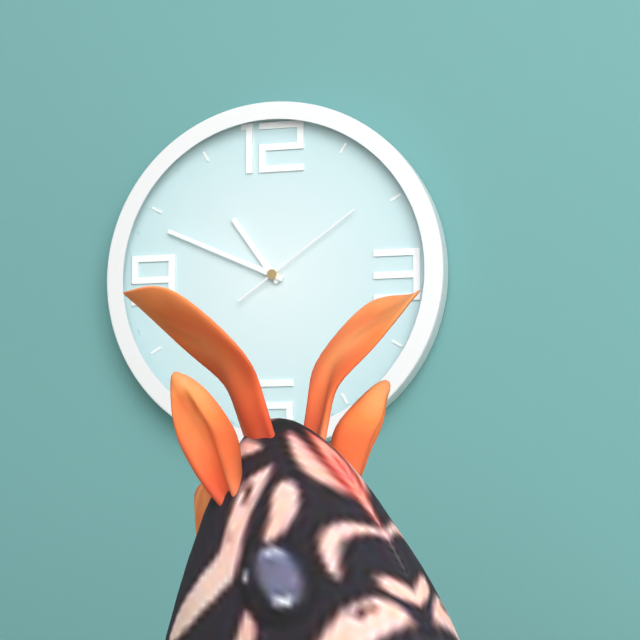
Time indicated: 10:49:09
